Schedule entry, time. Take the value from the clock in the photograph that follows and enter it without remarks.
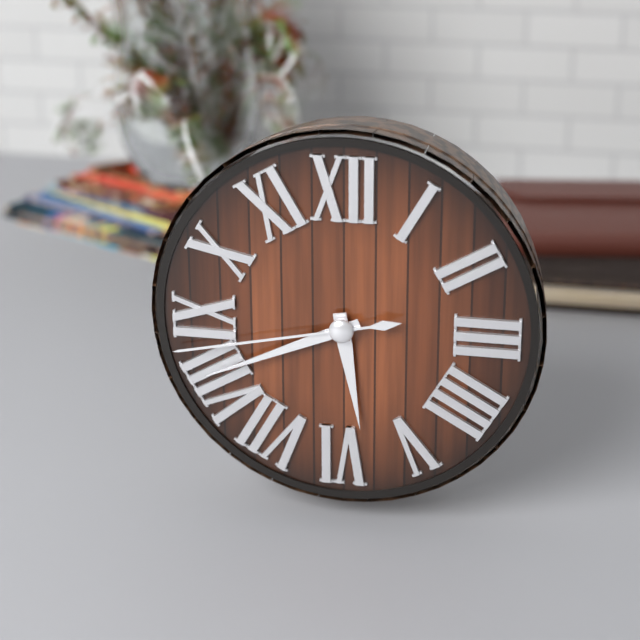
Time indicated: 5:41:43
